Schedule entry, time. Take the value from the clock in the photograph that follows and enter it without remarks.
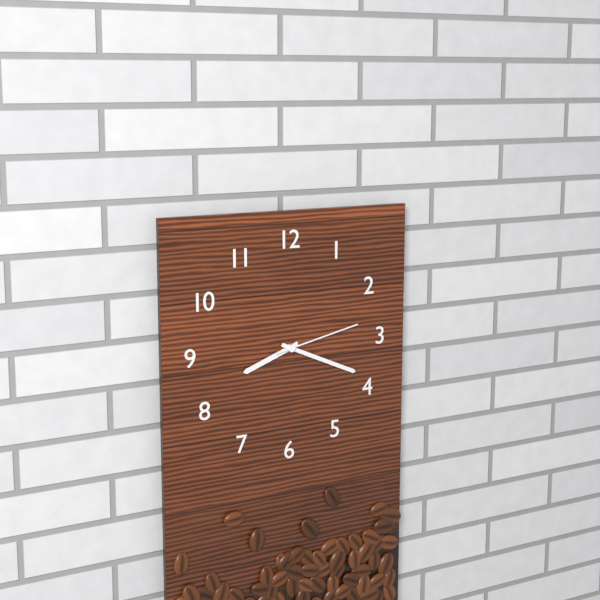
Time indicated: 8:19:13
